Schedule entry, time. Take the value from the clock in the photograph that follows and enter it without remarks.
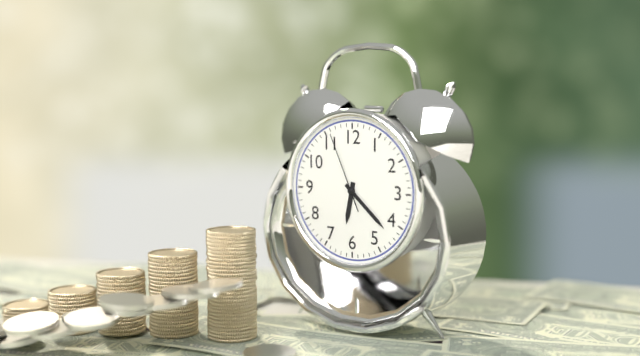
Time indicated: 6:22:56
